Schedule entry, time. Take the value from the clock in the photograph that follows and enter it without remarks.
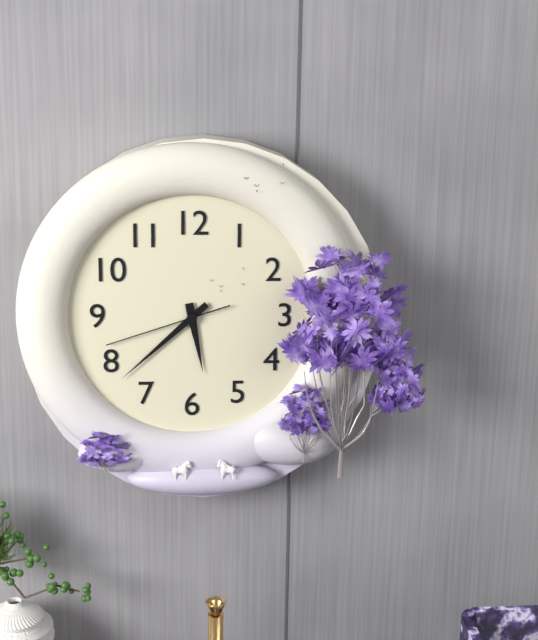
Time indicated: 5:38:42
